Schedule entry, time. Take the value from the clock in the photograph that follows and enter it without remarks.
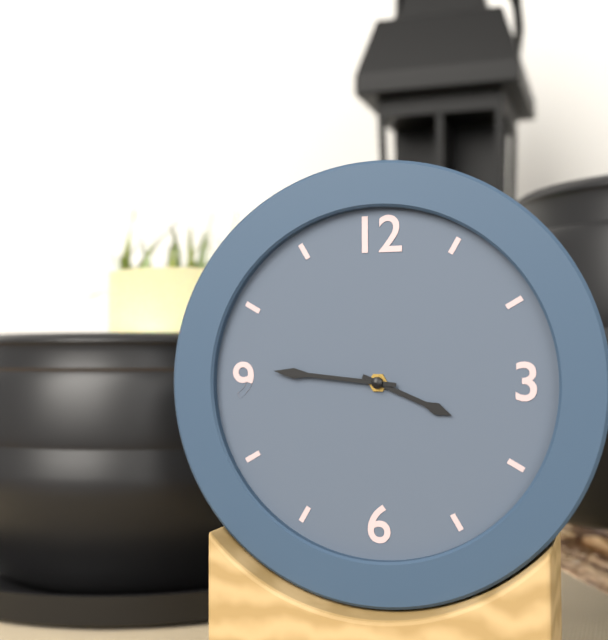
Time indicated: 3:46
